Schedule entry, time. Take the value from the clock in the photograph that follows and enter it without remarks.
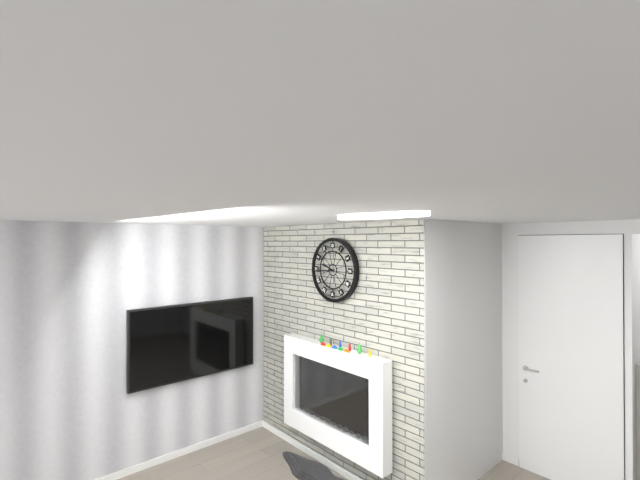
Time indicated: 9:44
